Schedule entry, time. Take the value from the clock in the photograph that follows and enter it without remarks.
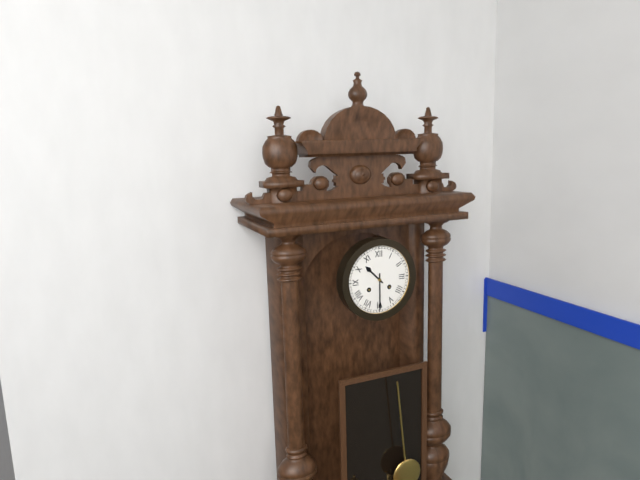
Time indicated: 10:30
